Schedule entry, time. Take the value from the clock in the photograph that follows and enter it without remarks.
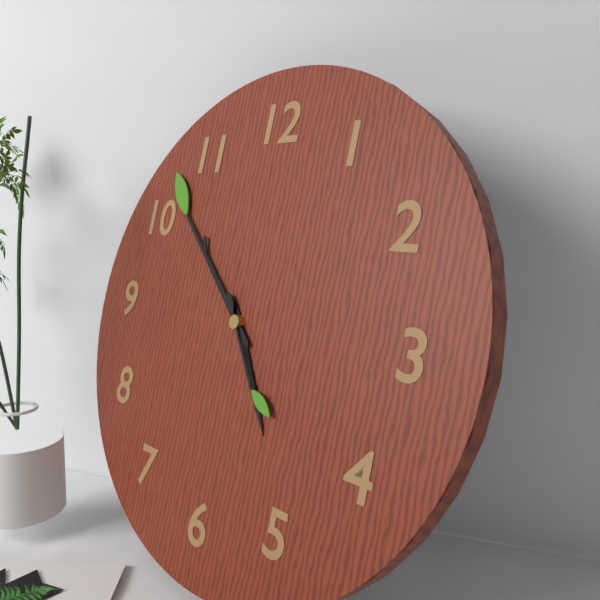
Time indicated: 4:52:24
